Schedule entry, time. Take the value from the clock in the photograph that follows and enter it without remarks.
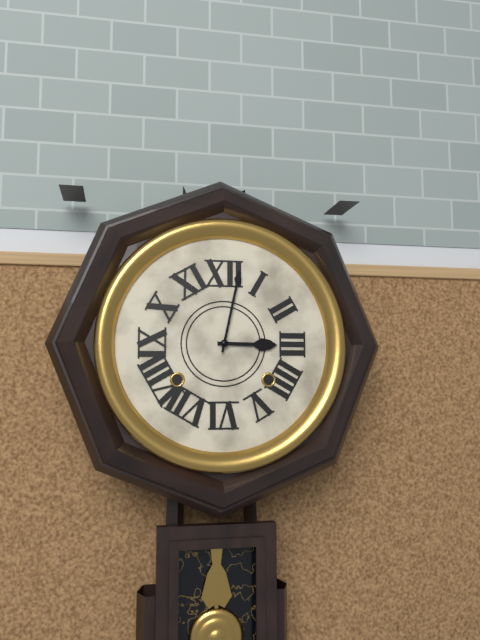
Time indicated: 3:02
